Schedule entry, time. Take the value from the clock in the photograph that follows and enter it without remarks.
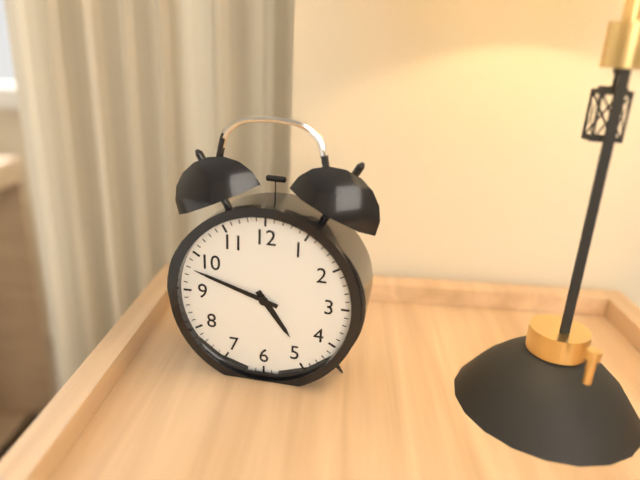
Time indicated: 4:48
